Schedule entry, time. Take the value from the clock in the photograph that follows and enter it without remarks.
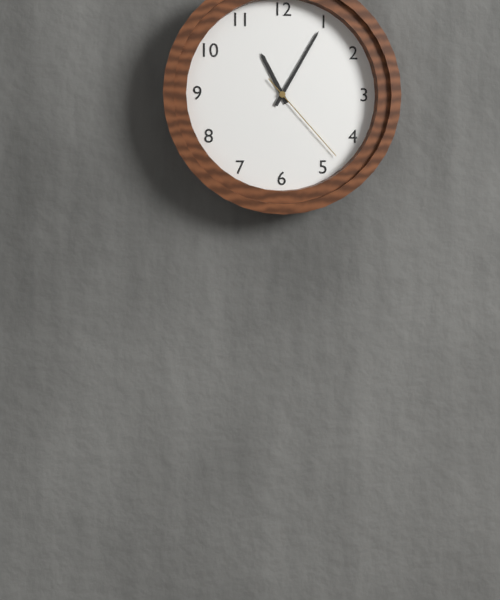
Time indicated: 11:05:23
